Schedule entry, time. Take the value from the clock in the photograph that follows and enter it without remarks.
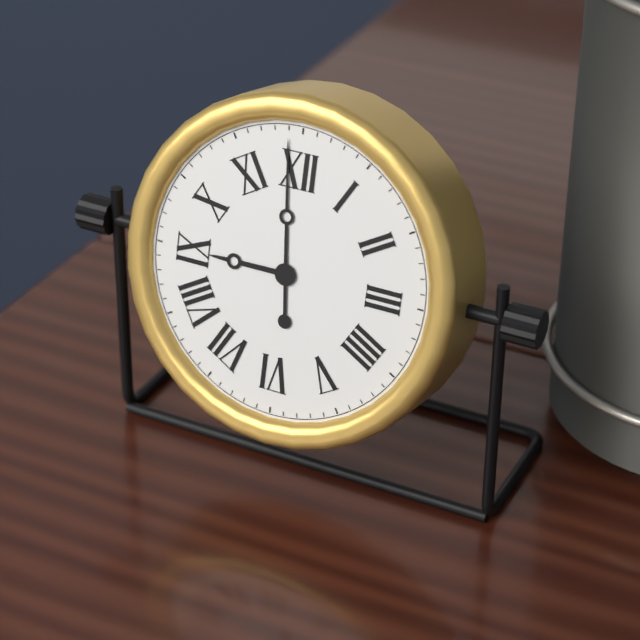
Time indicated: 8:59
